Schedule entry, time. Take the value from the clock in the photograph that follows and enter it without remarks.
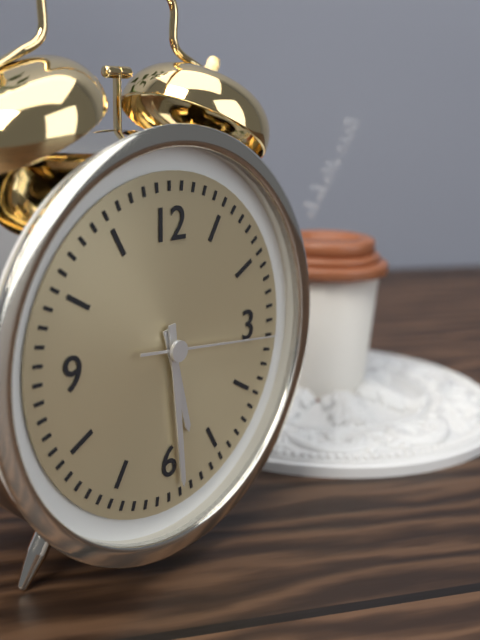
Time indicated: 5:29:16
